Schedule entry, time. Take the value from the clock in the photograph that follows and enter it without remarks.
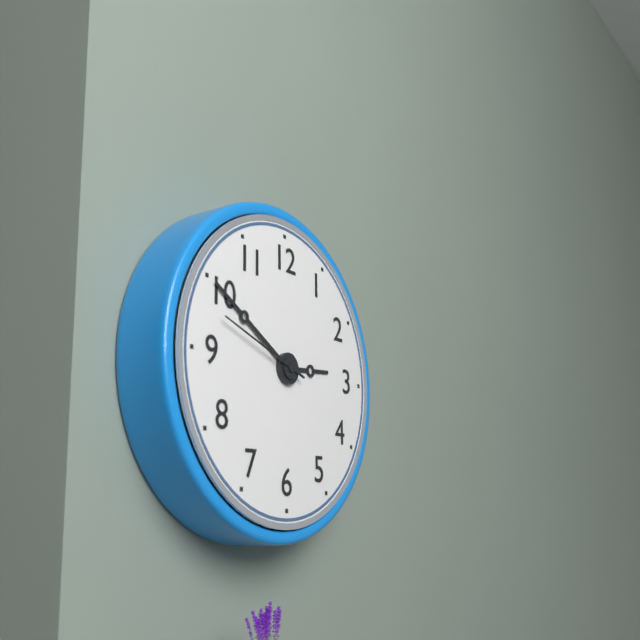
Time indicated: 2:50:48
